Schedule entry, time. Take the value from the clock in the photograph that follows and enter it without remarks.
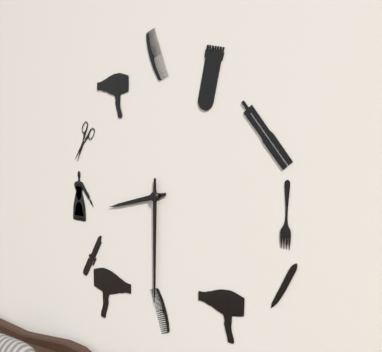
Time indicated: 8:30
